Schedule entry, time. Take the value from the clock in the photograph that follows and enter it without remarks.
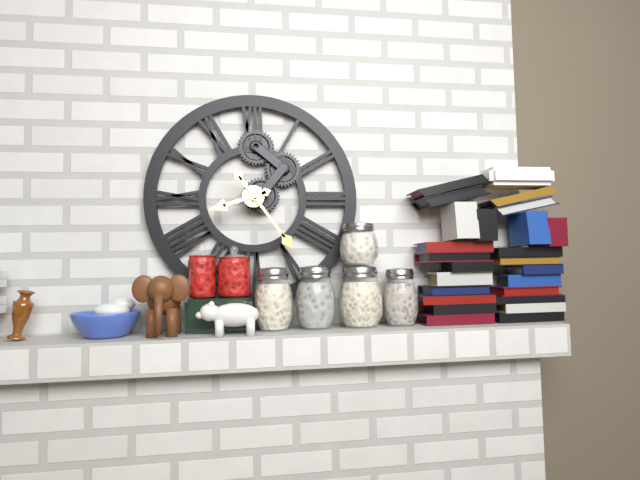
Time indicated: 8:24
